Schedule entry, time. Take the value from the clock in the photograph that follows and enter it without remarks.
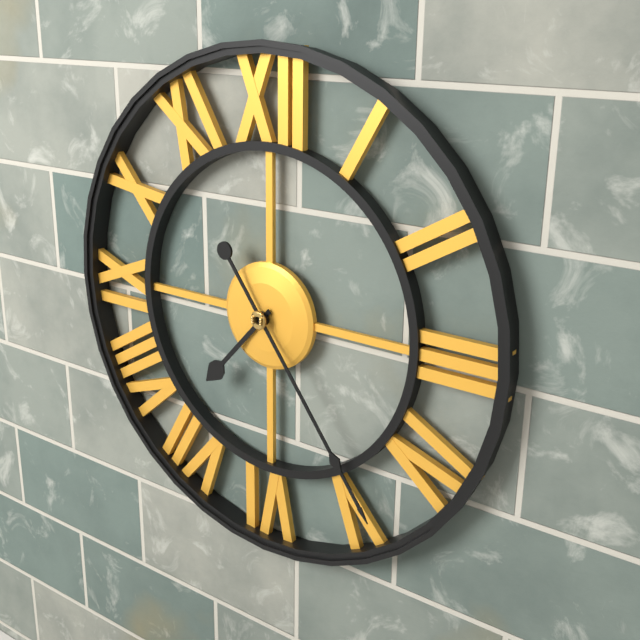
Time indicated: 7:24
